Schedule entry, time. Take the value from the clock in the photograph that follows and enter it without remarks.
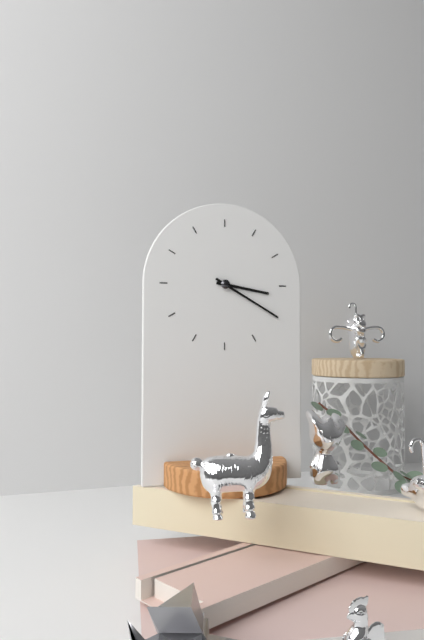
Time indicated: 3:20
